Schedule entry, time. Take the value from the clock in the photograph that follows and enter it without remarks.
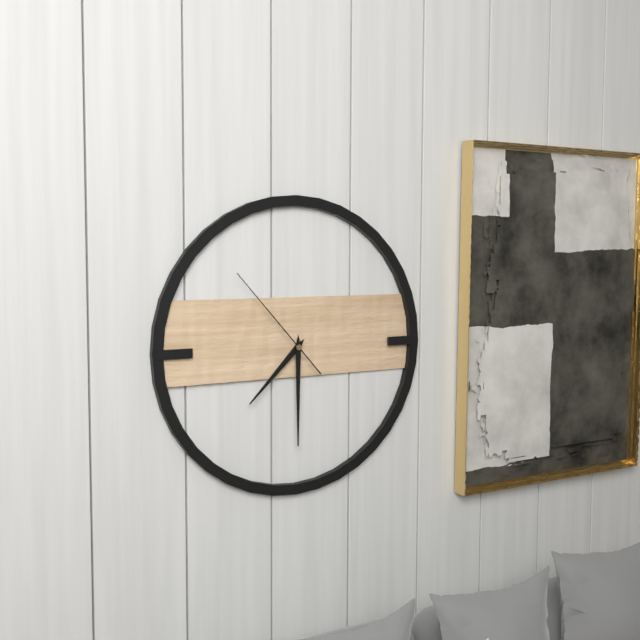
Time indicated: 7:30:53
